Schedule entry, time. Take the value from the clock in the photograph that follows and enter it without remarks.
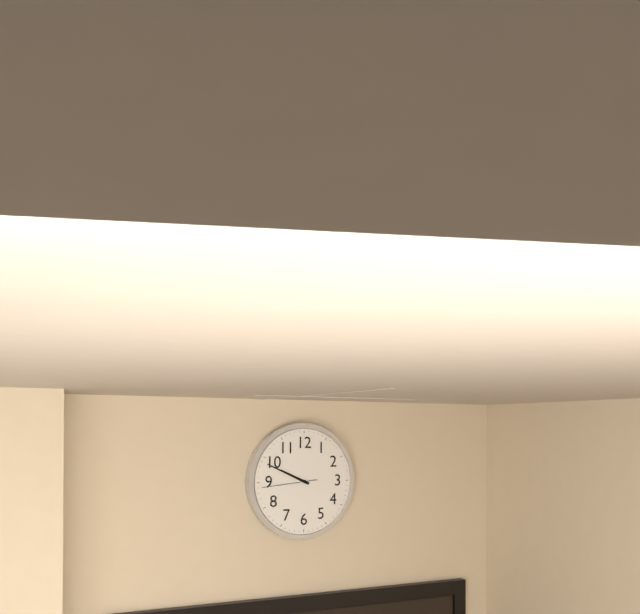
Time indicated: 9:49:44
